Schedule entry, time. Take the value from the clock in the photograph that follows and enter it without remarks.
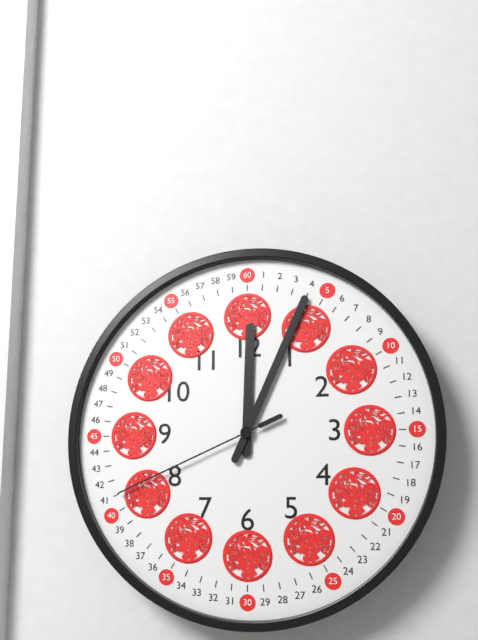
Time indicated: 12:04:41
